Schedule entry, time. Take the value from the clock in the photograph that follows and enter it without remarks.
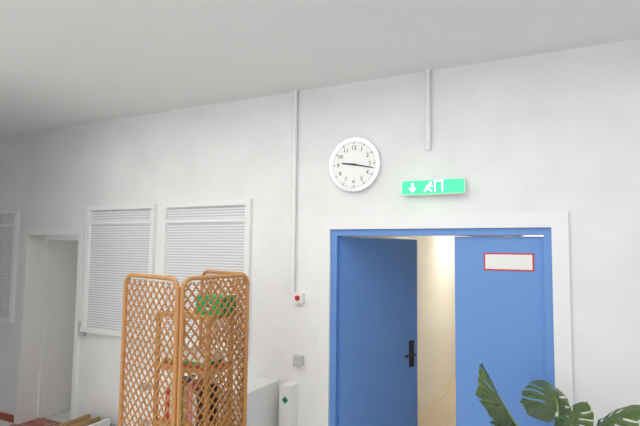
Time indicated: 9:17
